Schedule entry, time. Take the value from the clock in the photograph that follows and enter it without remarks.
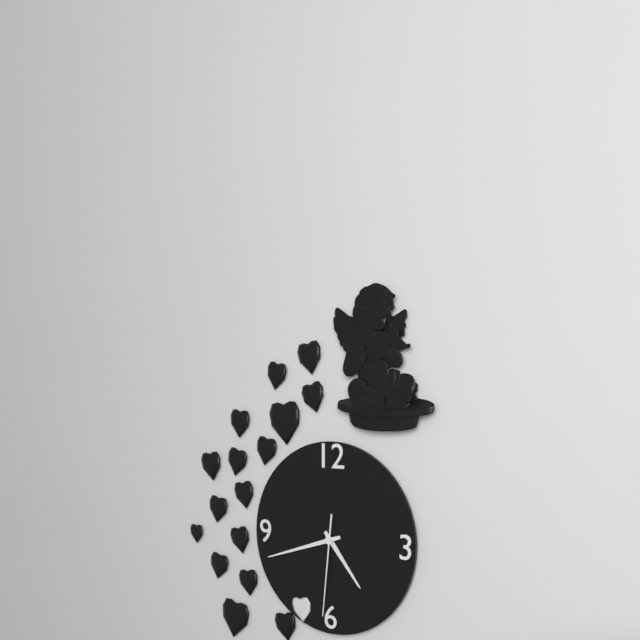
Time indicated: 4:42:31
